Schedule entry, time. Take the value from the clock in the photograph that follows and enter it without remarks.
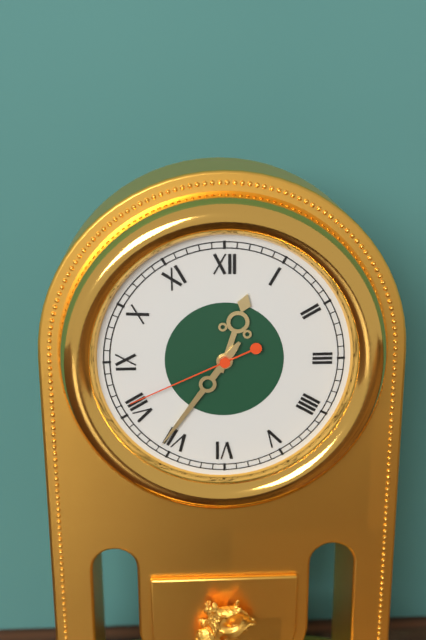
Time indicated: 12:36:41
